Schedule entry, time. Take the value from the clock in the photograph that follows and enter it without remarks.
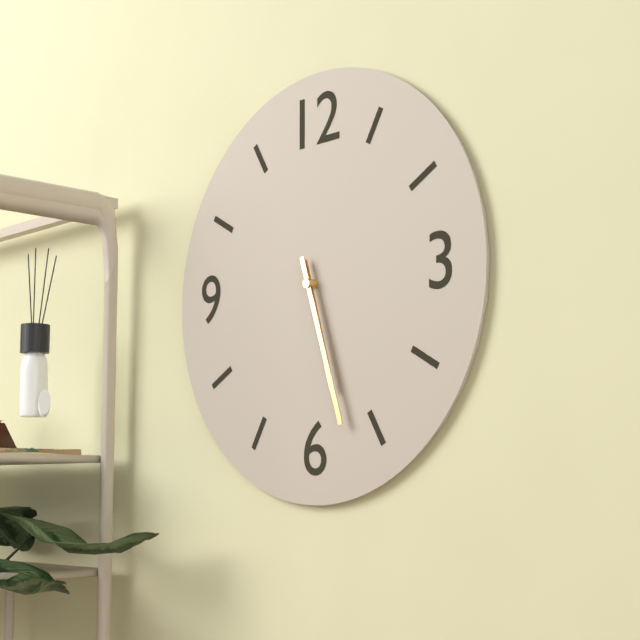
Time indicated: 5:27
